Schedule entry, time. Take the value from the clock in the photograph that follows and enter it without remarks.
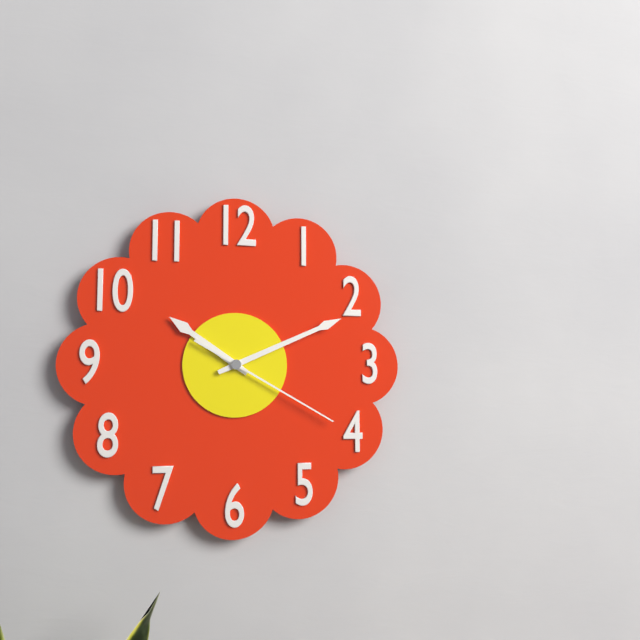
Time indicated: 10:11:20
